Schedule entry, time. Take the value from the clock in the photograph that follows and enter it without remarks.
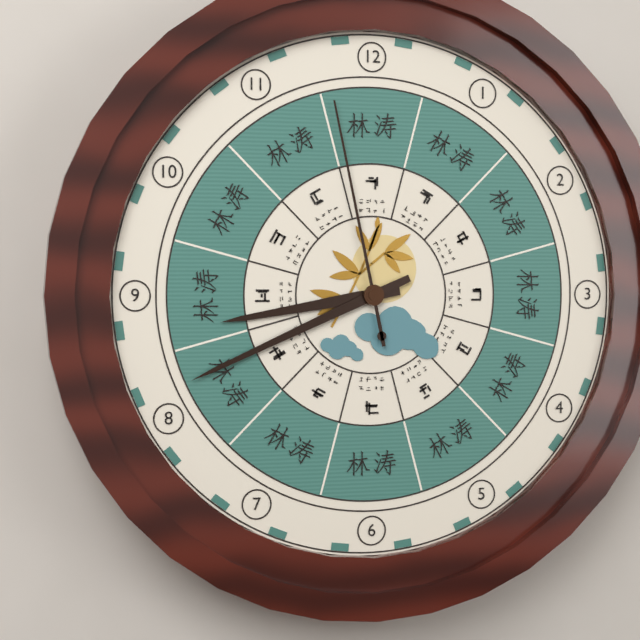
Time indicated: 8:41:58
